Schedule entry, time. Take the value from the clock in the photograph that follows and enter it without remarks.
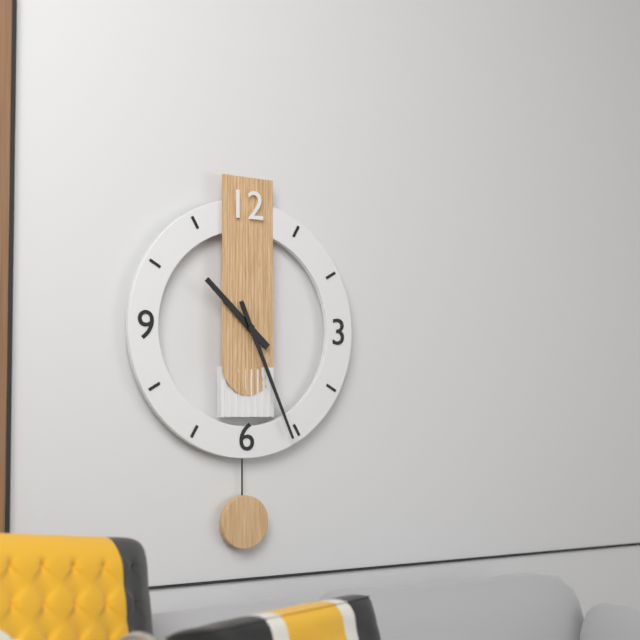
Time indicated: 10:26
